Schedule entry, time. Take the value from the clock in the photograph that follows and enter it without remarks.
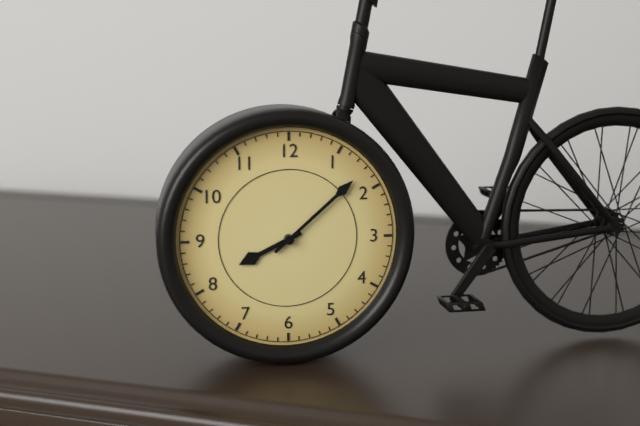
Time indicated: 8:08
